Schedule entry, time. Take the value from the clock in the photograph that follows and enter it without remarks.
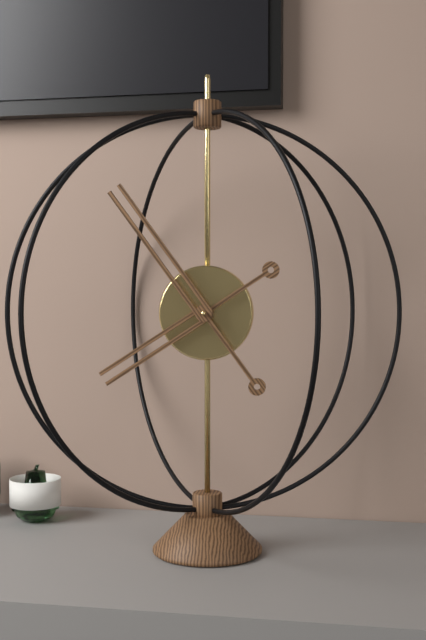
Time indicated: 7:54
